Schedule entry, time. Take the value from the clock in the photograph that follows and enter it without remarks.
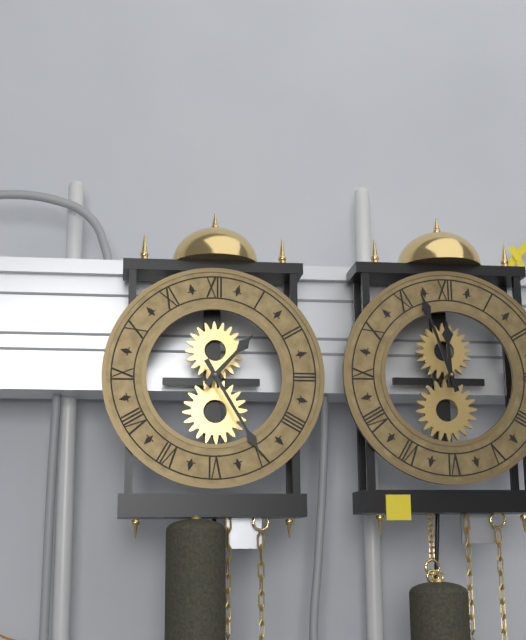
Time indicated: 1:25
